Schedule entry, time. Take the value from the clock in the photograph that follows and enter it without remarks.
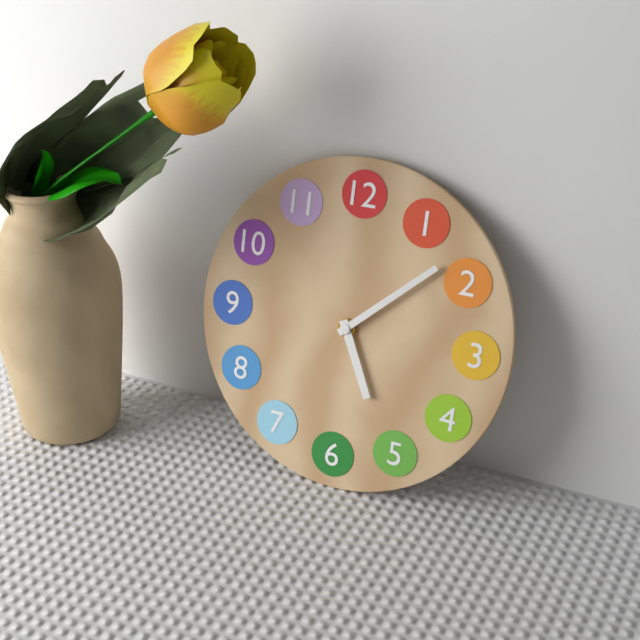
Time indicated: 5:08
